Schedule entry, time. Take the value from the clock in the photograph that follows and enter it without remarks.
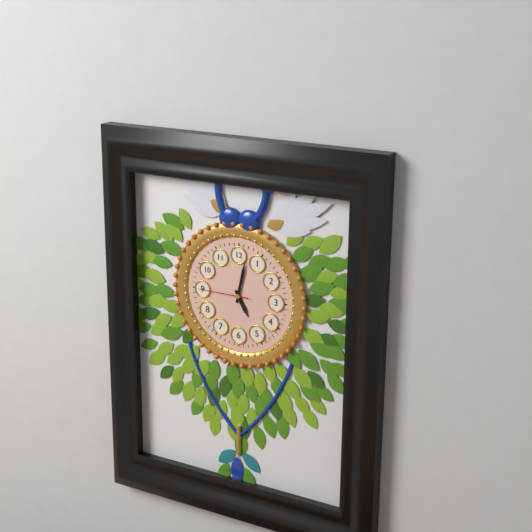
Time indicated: 5:02:45
